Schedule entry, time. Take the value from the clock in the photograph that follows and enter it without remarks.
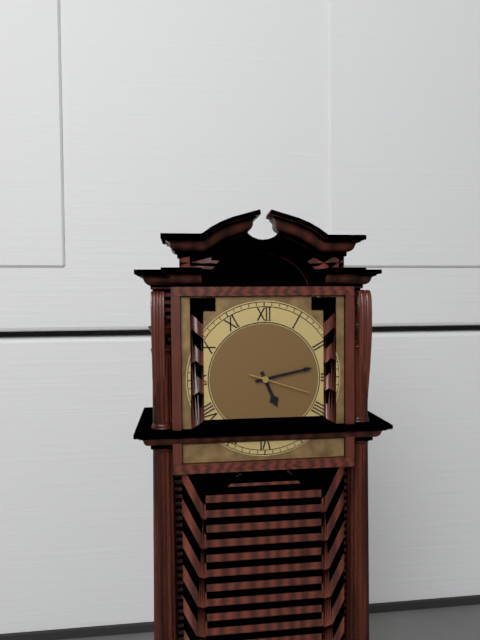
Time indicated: 5:13:18
